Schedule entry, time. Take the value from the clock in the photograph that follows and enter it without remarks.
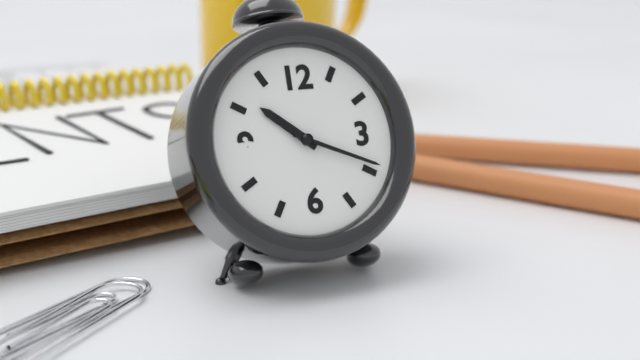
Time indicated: 10:19
